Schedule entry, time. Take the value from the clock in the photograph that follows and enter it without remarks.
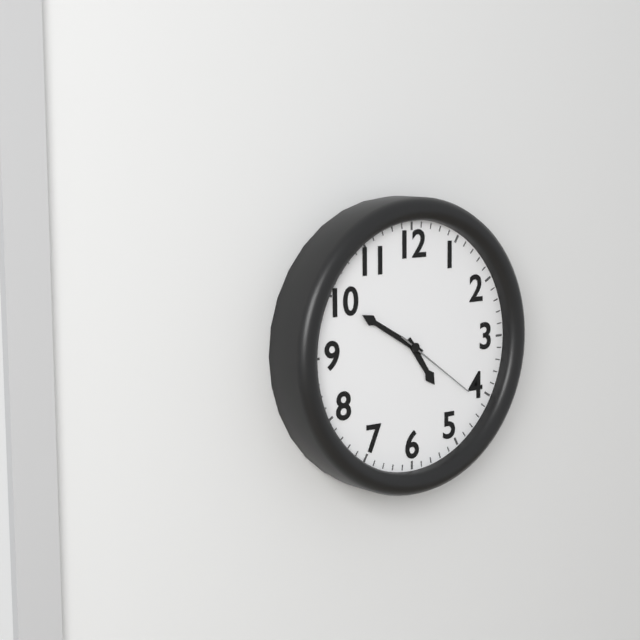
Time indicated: 4:50:21
